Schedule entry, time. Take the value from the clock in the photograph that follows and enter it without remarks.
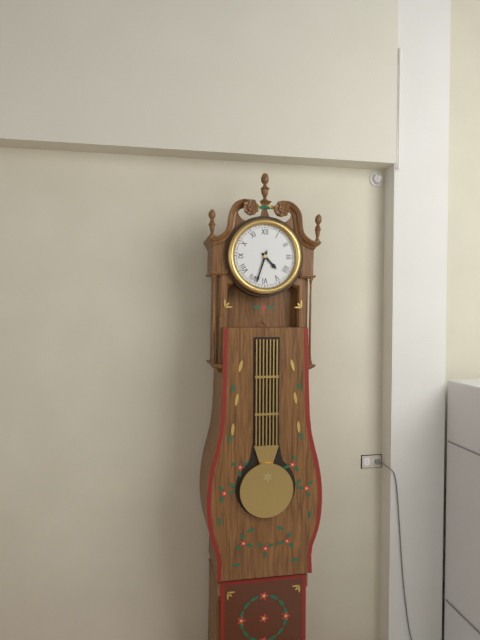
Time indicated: 4:33
